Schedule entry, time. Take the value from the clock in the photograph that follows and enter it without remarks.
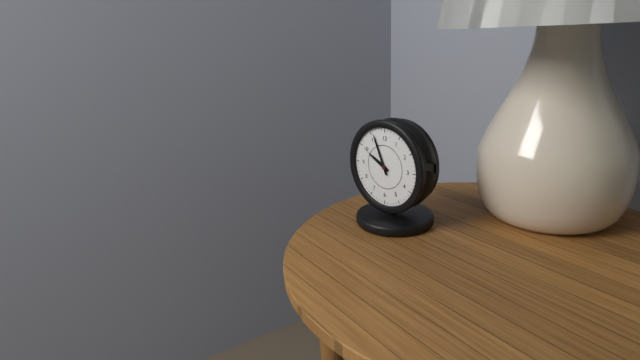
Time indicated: 9:56
